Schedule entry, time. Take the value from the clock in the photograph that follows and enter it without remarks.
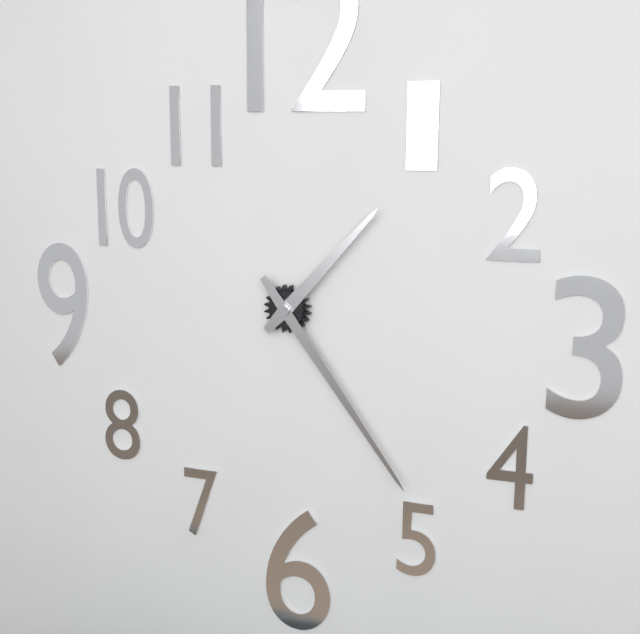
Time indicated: 1:24
